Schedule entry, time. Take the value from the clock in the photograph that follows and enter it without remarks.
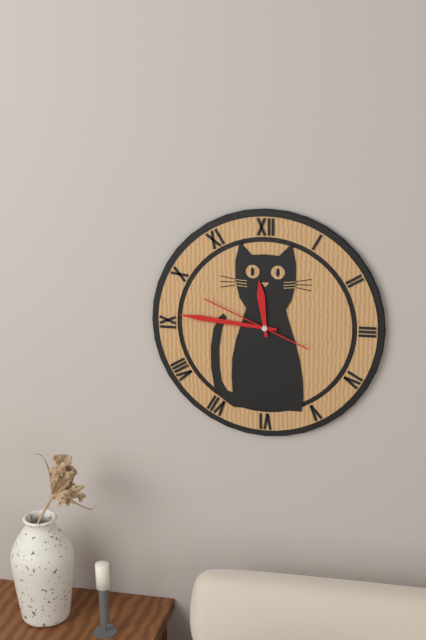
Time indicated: 11:46:49
